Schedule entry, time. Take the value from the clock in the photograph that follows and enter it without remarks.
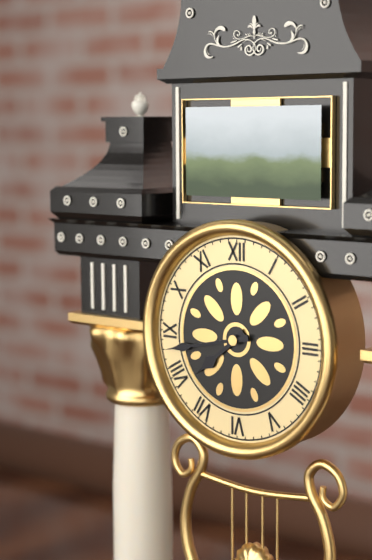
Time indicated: 7:43
